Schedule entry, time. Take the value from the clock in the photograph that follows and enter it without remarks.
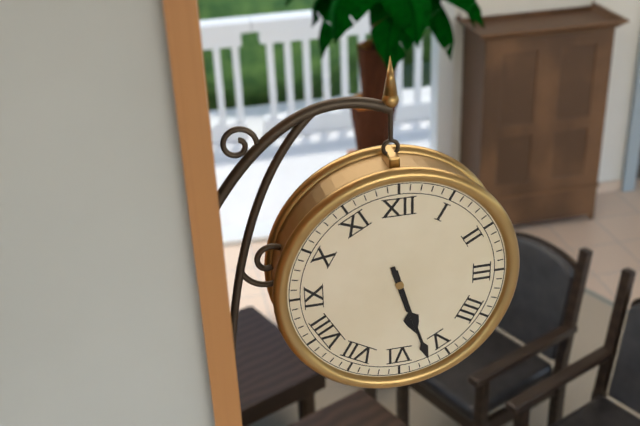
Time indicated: 5:27
